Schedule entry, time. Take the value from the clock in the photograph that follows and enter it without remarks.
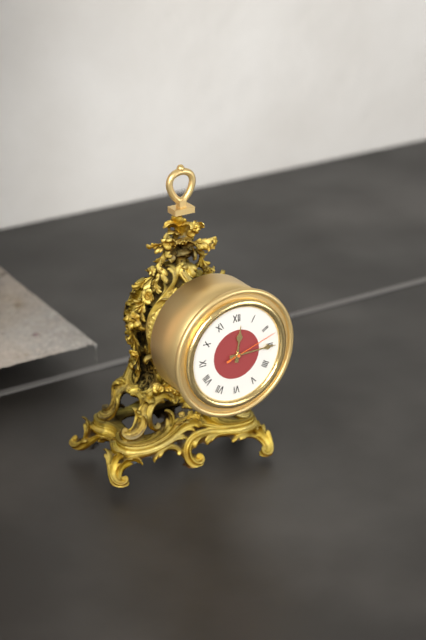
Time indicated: 12:15:12
